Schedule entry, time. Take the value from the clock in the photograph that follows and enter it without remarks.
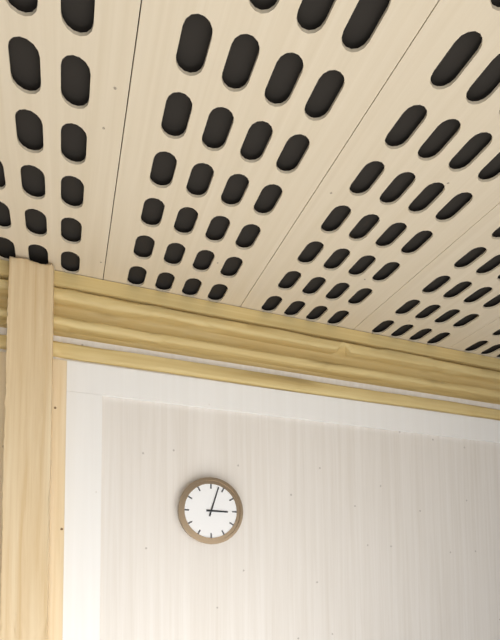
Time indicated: 3:03
